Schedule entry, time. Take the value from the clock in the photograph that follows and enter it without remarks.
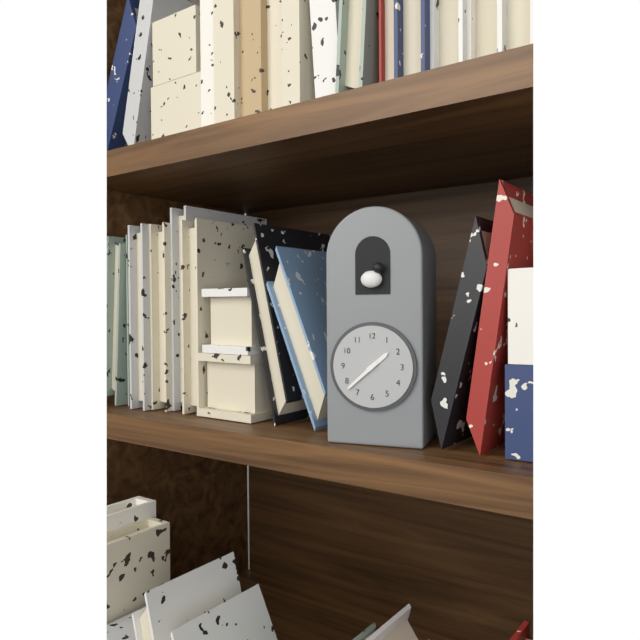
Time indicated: 1:38
